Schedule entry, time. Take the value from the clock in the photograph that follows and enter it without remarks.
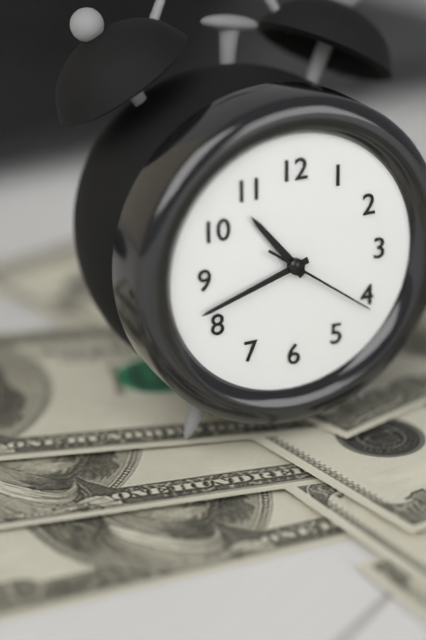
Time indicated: 10:42:21
